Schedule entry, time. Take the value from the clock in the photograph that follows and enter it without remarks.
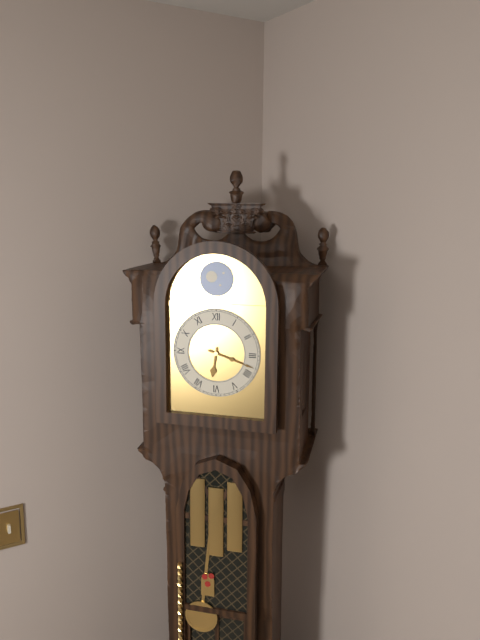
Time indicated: 6:18
